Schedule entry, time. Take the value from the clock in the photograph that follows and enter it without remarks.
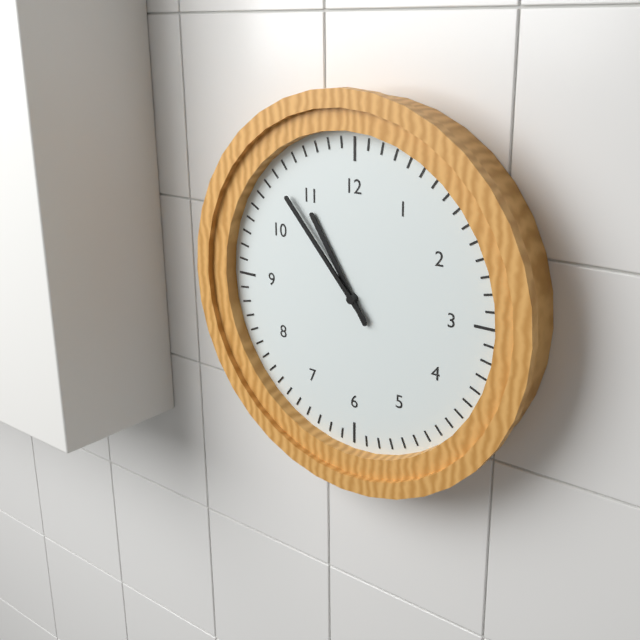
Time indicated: 10:53
